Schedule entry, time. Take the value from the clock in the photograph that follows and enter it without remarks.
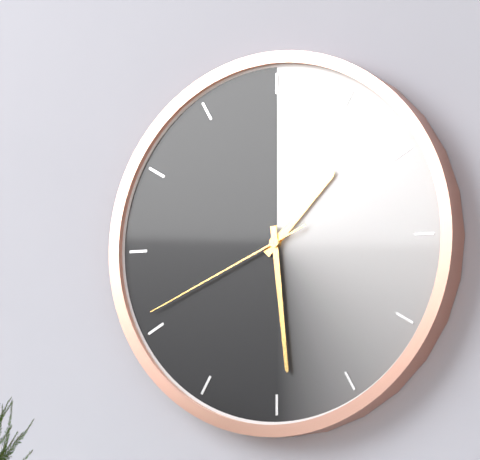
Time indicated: 1:29:41
